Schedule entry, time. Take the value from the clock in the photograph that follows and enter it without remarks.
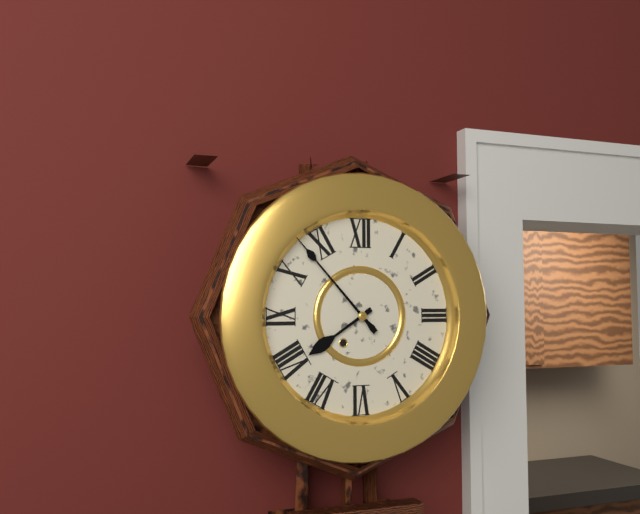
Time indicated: 7:53
